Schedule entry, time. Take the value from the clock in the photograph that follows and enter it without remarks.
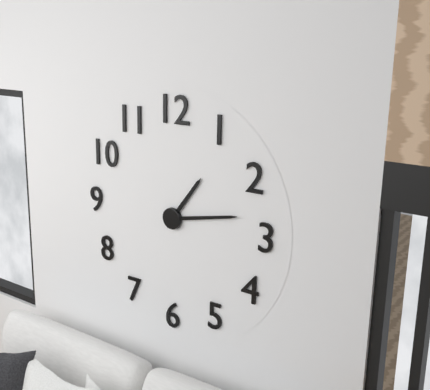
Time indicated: 1:13
